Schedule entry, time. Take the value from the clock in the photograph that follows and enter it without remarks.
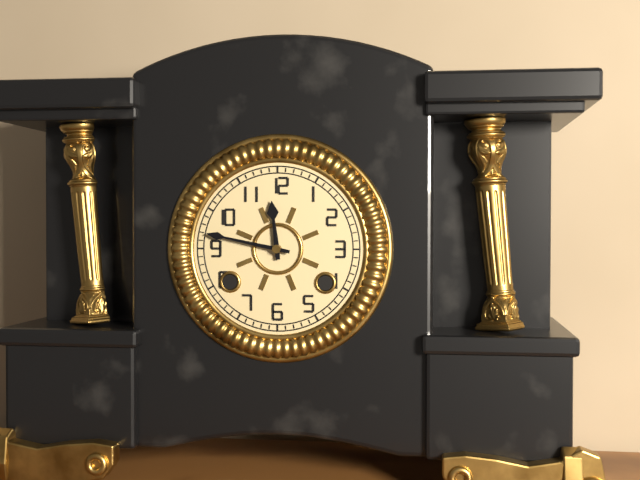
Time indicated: 11:47
